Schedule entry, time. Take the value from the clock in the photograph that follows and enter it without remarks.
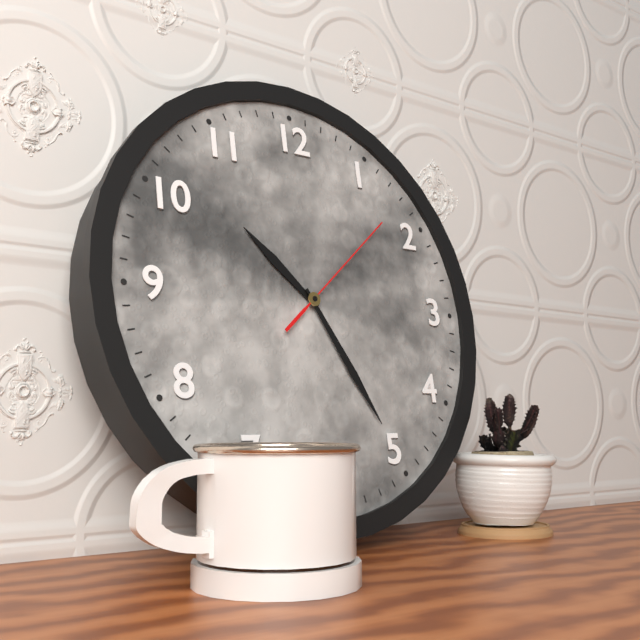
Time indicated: 10:25:08
